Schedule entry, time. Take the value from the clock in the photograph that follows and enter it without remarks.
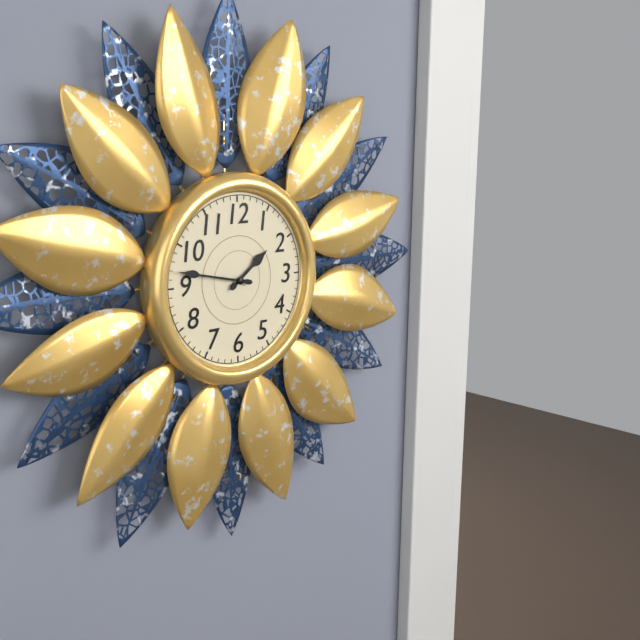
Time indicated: 1:47
